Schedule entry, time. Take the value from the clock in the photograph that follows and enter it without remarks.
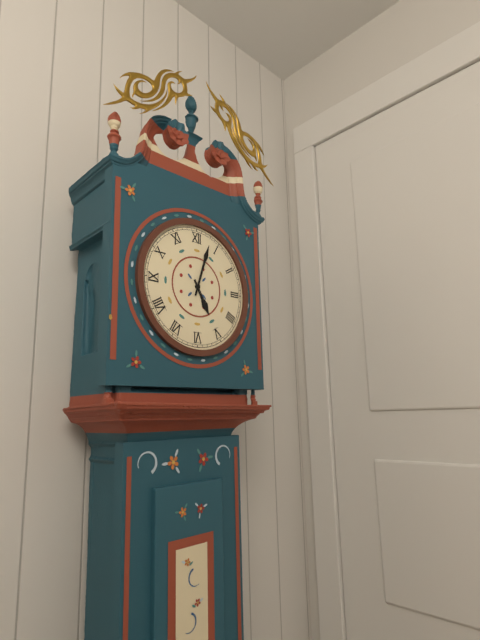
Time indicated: 5:03
